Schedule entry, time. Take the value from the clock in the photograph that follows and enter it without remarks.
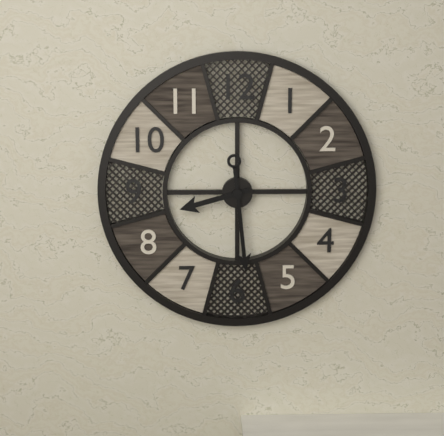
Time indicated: 8:29
